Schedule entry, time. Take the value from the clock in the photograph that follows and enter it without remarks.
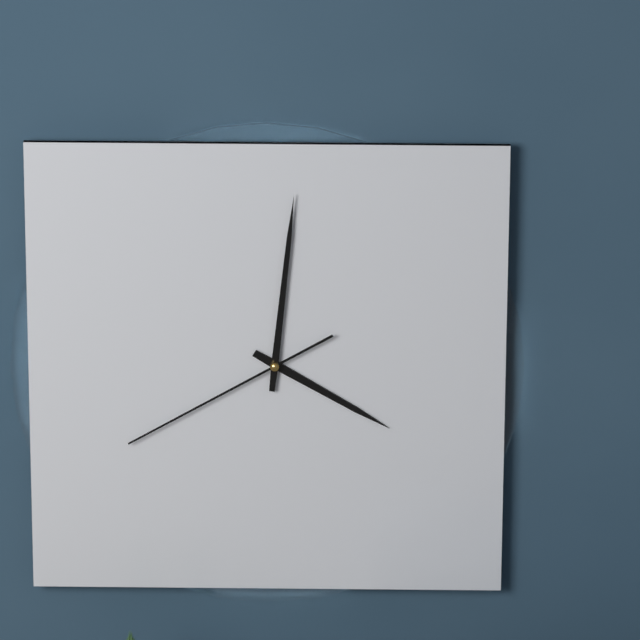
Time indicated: 4:01:40
